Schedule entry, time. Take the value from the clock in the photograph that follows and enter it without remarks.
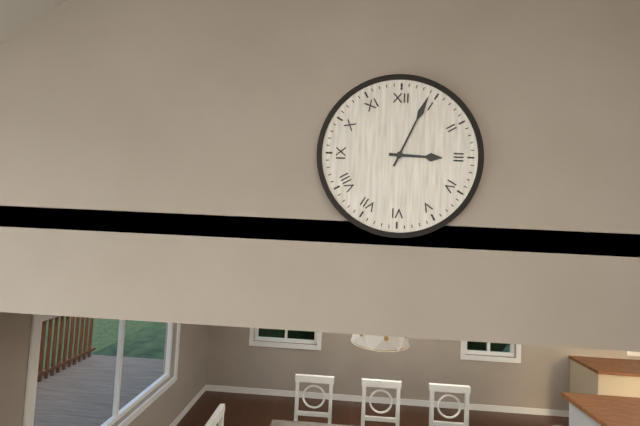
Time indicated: 3:04
